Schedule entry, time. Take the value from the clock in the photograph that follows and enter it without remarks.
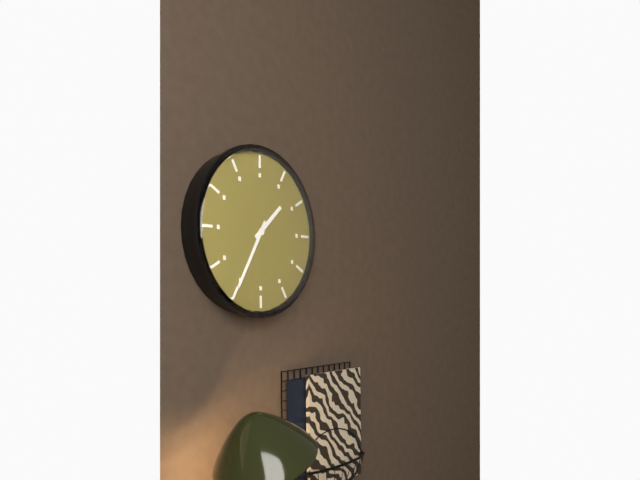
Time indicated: 1:35
